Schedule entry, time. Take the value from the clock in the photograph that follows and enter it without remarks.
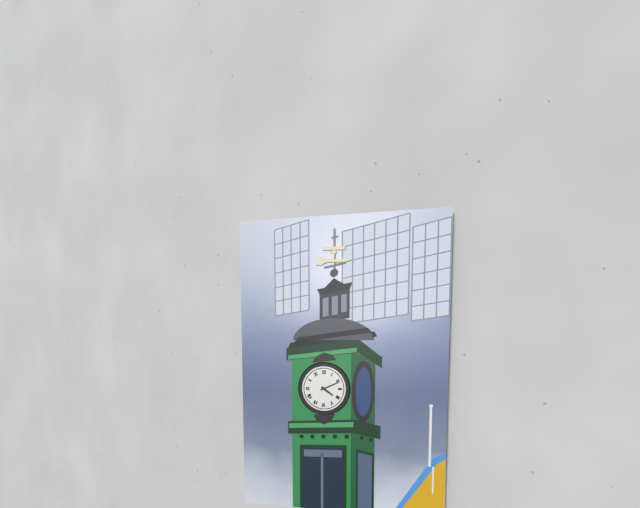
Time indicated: 4:11
